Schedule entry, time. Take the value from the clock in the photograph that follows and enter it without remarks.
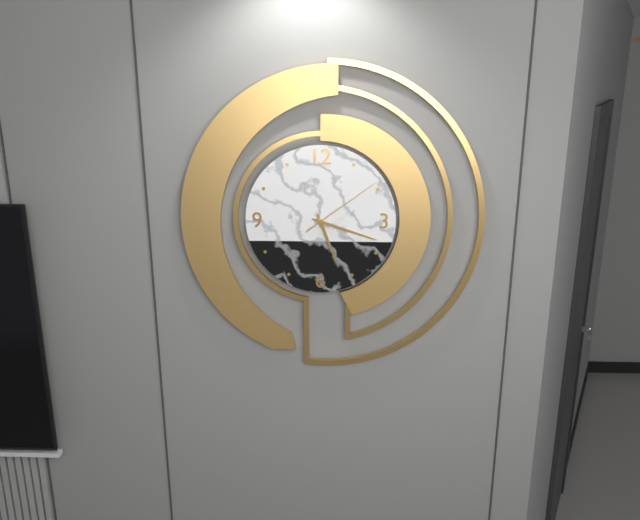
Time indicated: 5:18:09
